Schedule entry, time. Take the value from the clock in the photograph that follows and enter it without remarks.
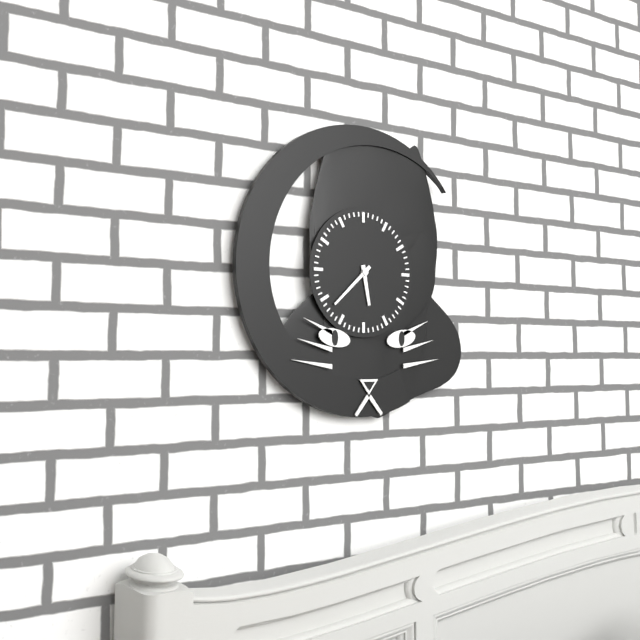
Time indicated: 5:38
